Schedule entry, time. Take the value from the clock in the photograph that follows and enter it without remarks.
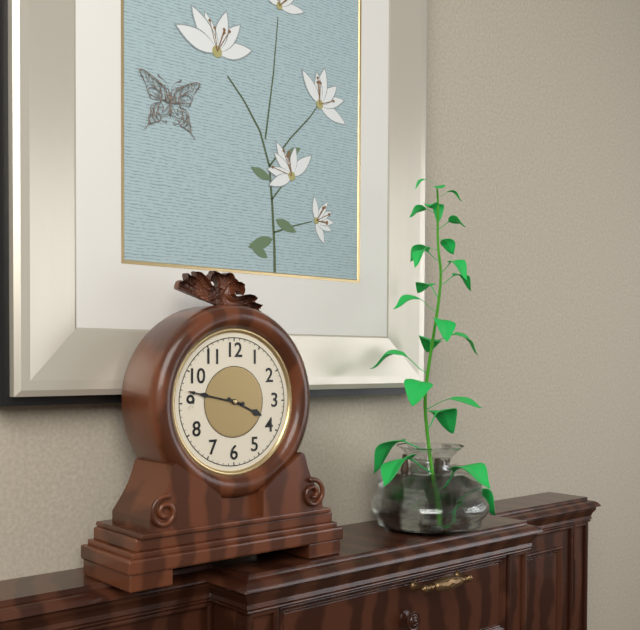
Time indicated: 3:47
